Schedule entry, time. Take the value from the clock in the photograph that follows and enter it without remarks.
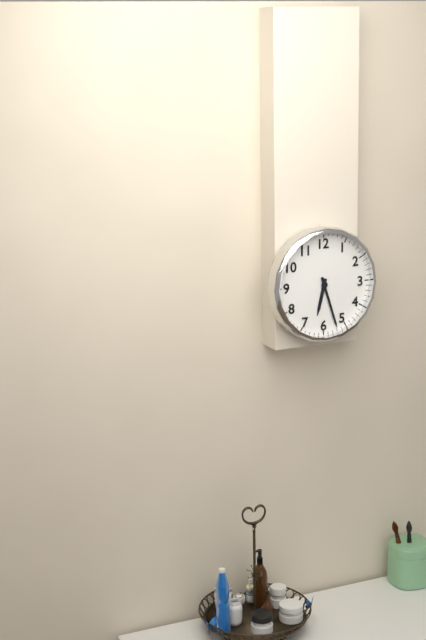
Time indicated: 6:27
